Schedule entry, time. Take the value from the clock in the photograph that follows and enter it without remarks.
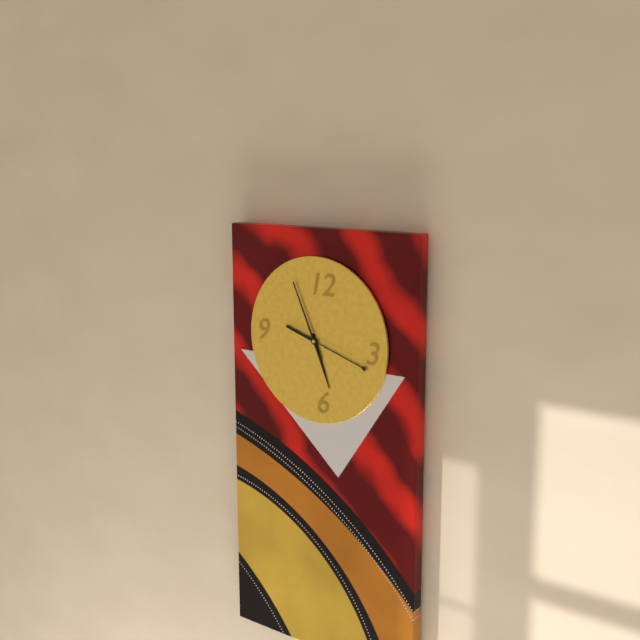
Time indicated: 5:18:56
